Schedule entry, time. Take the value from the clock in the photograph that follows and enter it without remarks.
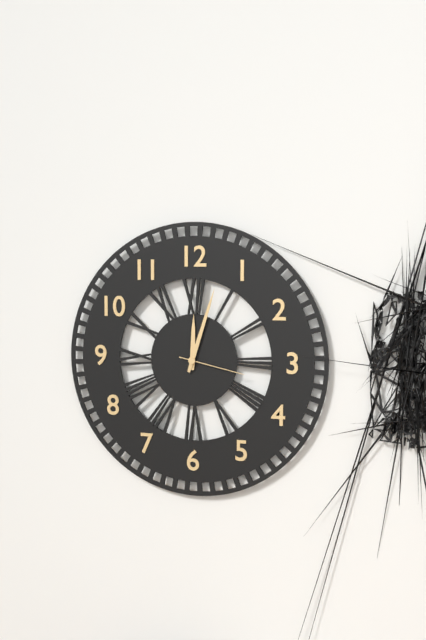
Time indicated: 12:03:17
